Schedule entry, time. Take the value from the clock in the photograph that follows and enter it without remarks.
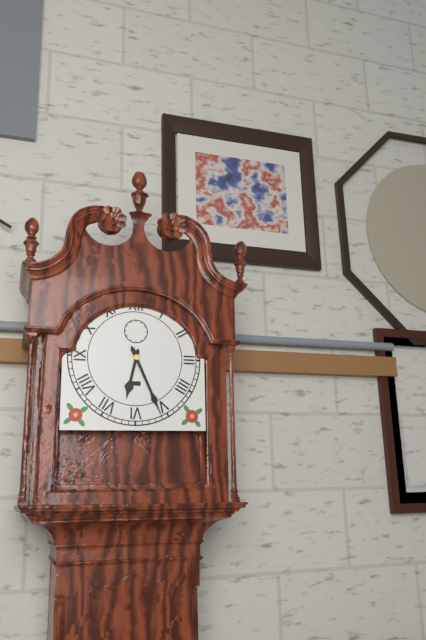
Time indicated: 6:26
